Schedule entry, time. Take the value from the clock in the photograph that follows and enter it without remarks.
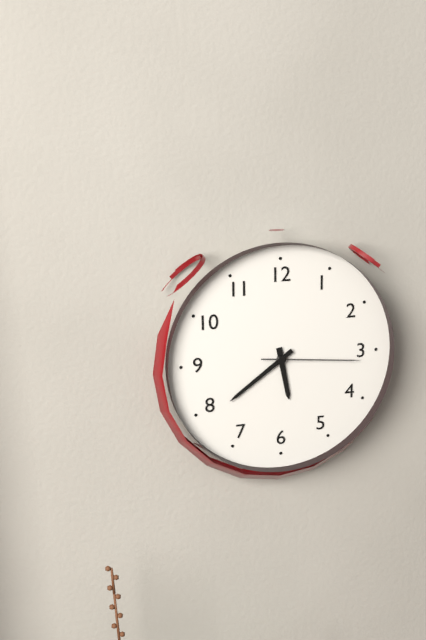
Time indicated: 5:39:16
